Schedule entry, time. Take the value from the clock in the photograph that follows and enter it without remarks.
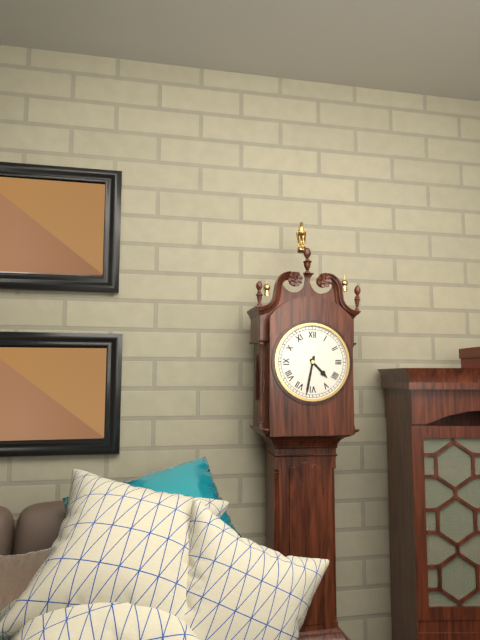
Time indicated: 4:32
